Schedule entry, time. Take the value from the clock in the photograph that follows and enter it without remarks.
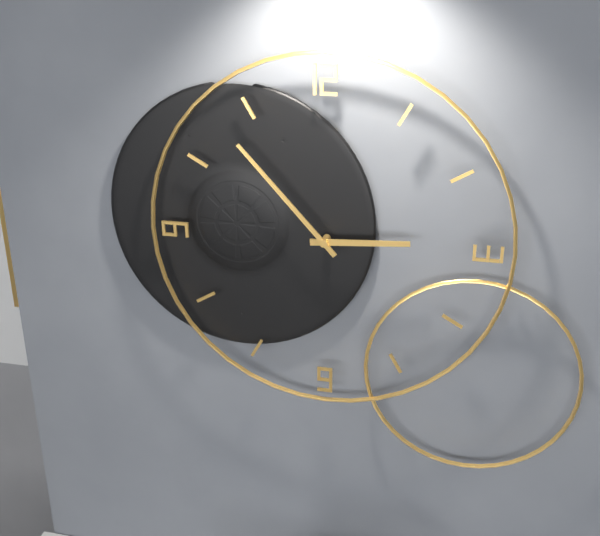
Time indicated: 2:53
